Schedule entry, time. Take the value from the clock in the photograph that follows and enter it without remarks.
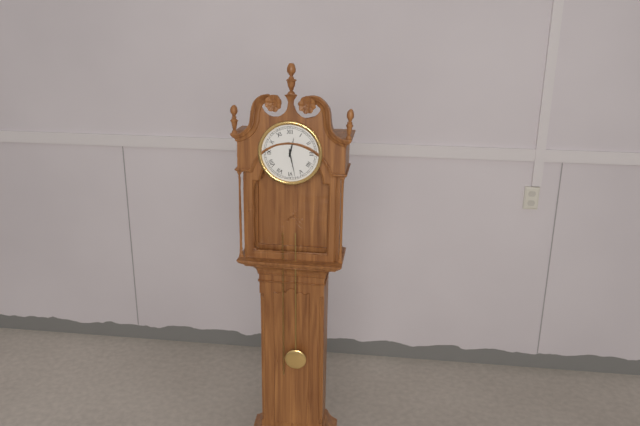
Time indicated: 12:28
